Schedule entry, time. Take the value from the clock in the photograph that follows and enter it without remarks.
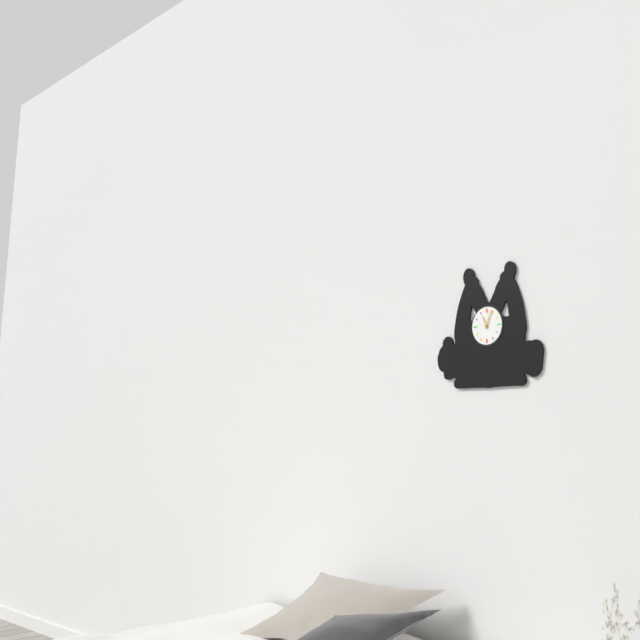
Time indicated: 11:04
